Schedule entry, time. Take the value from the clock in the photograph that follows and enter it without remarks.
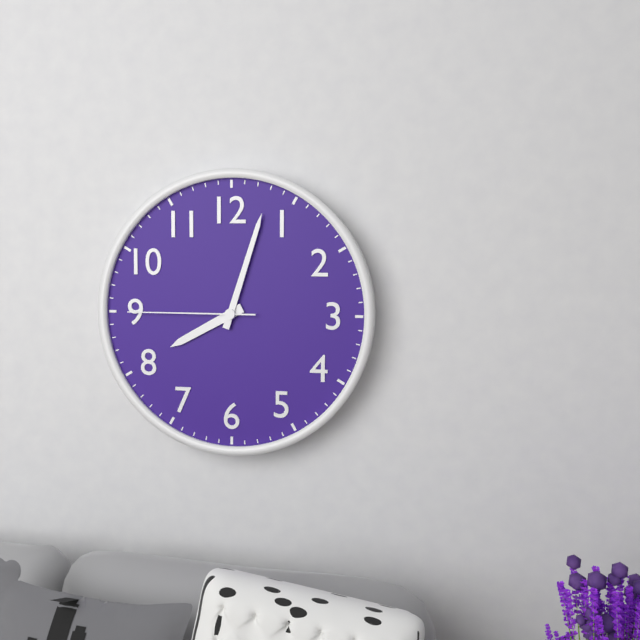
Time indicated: 8:03:45
